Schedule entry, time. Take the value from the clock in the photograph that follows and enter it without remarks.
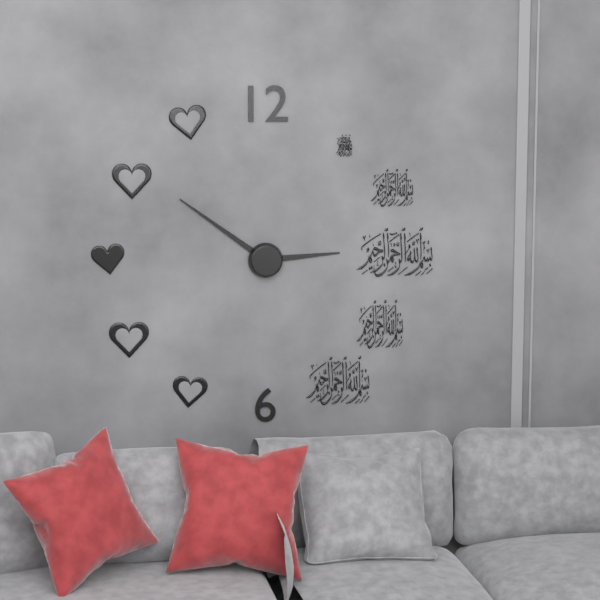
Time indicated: 2:51
